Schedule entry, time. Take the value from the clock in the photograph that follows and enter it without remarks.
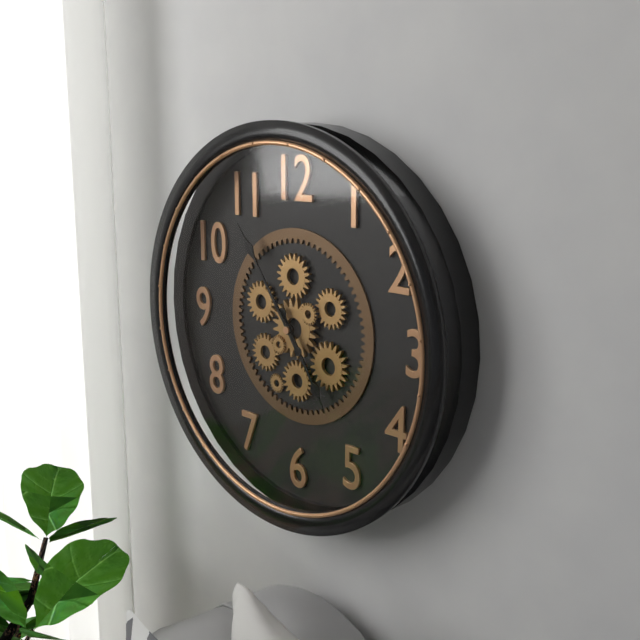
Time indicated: 4:54
